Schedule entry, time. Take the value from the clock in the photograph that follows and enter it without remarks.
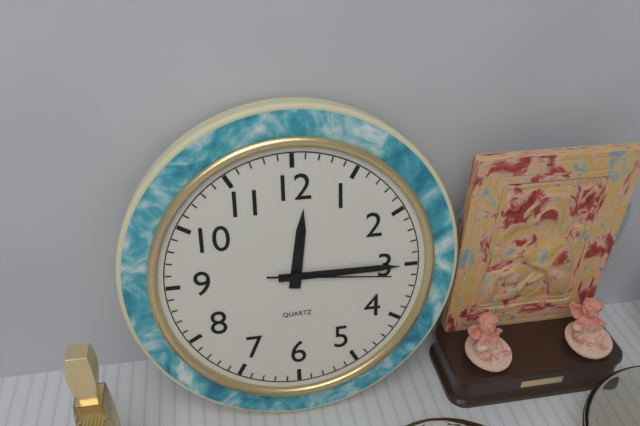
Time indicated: 12:15:16
